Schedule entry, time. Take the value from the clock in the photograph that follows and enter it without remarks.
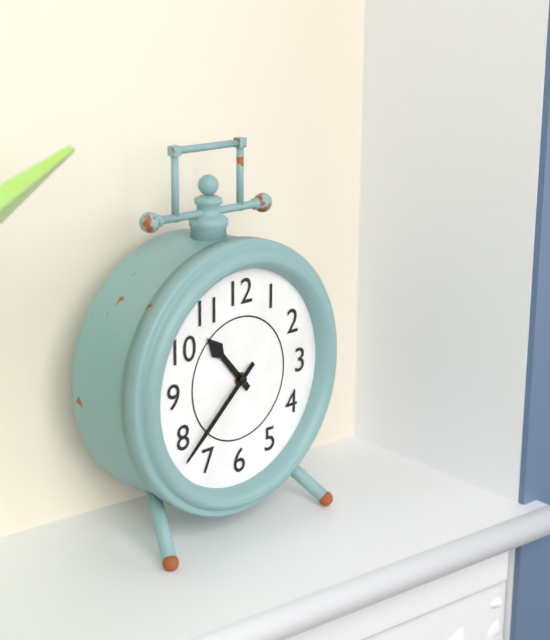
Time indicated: 10:38
